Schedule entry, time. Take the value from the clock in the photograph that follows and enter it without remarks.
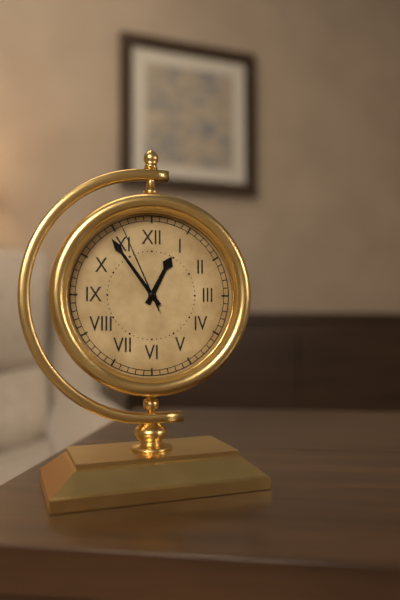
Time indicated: 12:54:56
